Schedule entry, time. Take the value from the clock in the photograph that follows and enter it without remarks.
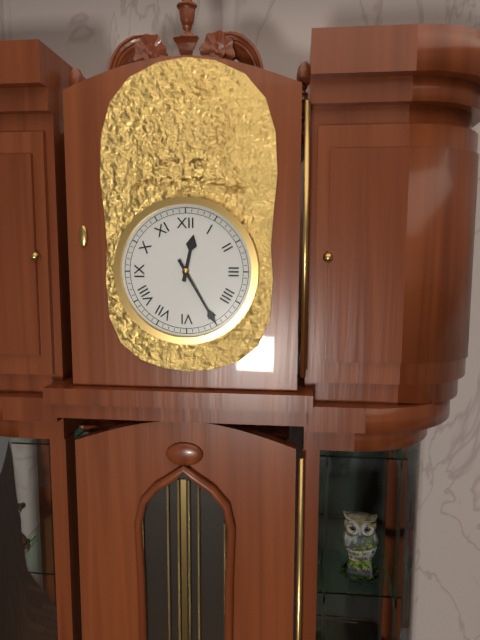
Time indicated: 12:25
